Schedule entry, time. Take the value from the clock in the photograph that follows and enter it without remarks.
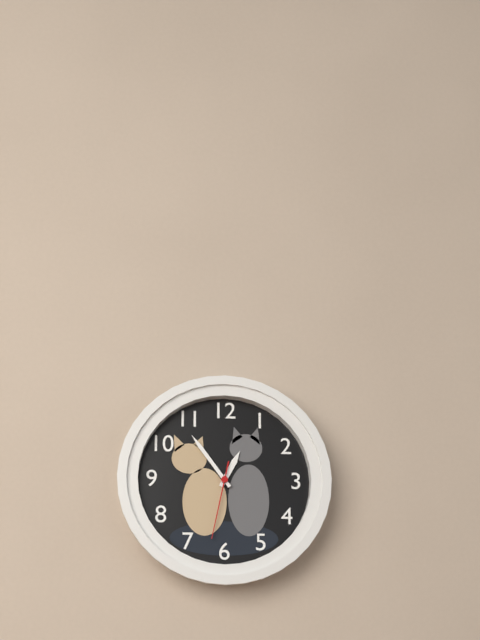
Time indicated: 12:54:32
